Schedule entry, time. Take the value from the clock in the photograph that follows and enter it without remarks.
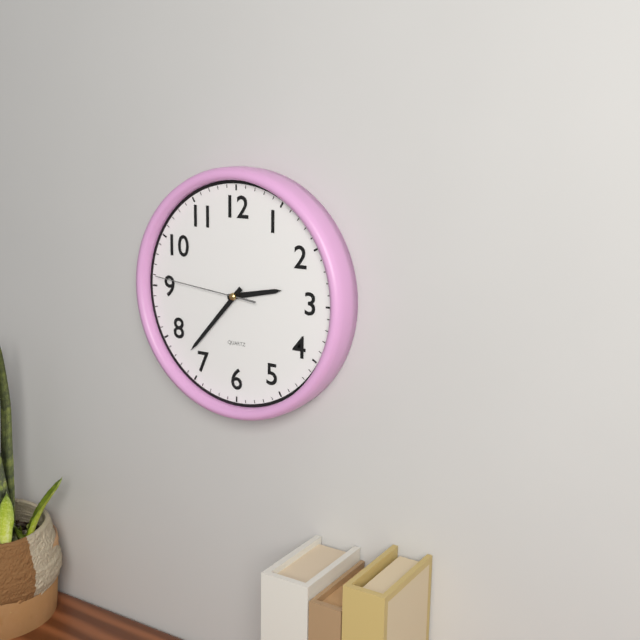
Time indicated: 2:37:46
